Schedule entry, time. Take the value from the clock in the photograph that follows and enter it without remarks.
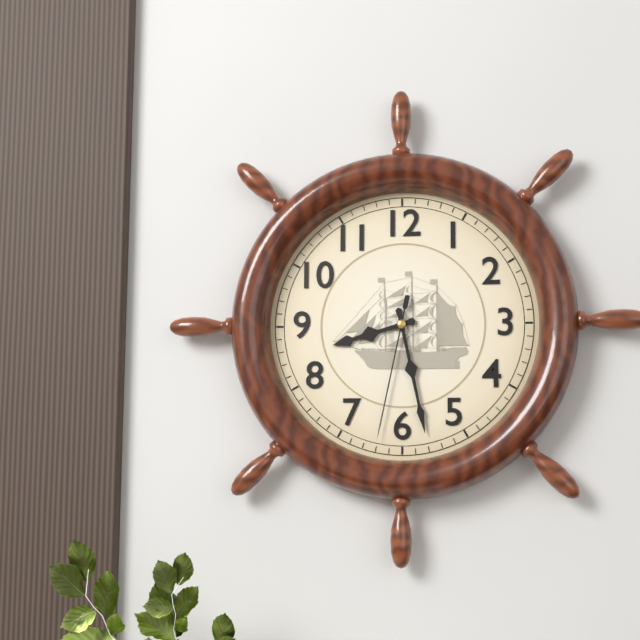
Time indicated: 8:28:32
